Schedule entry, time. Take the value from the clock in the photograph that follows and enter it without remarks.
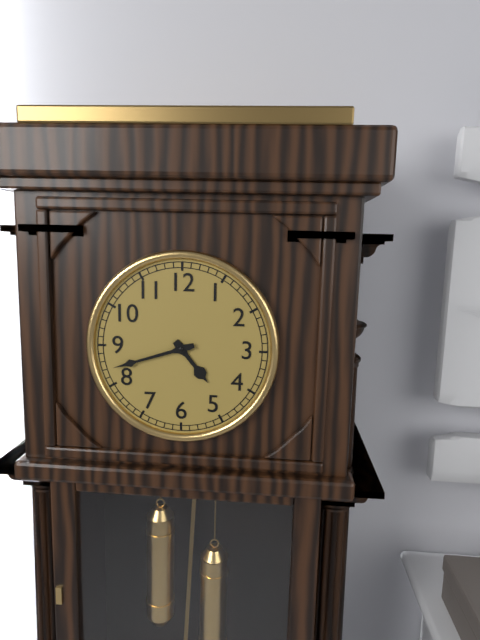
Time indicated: 4:42
